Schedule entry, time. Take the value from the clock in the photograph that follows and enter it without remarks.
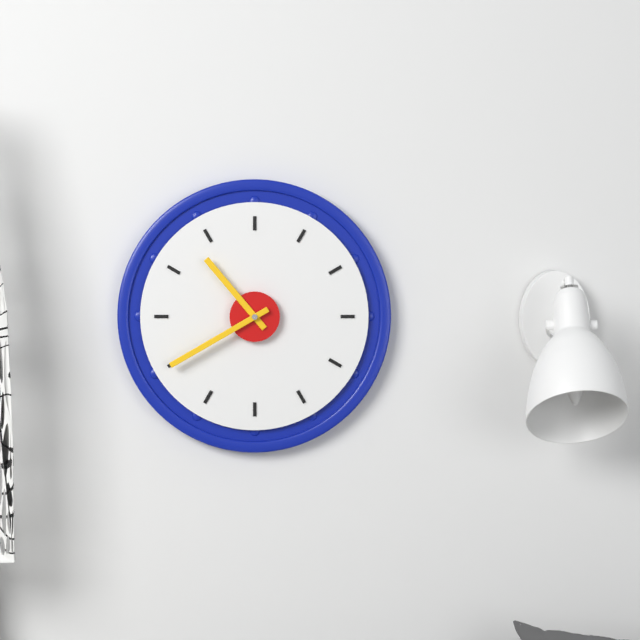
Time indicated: 10:40
